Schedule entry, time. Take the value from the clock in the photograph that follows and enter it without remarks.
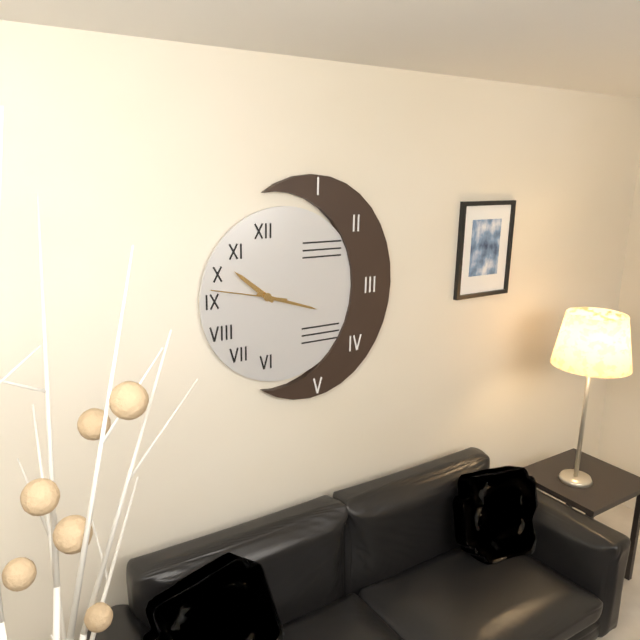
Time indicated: 10:18:47
